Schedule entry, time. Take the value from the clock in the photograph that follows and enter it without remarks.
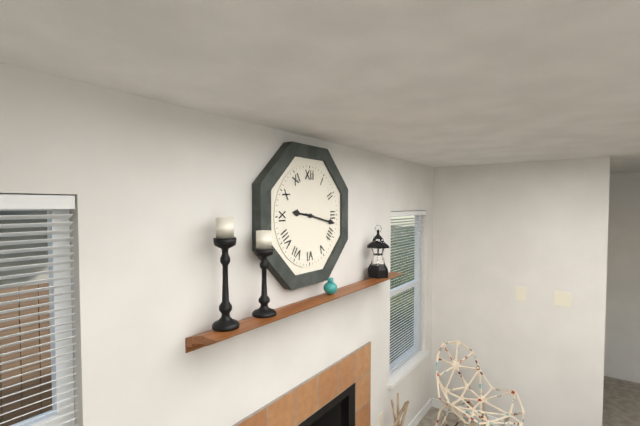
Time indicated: 9:17
